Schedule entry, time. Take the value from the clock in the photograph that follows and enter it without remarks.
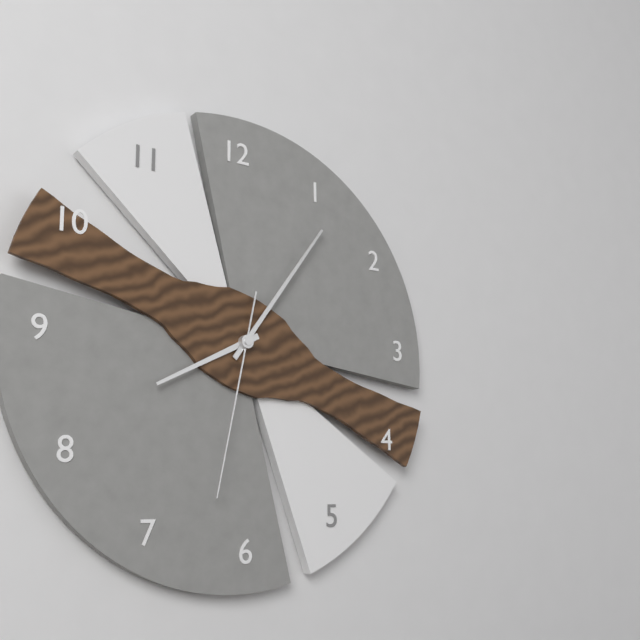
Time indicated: 8:06:32
